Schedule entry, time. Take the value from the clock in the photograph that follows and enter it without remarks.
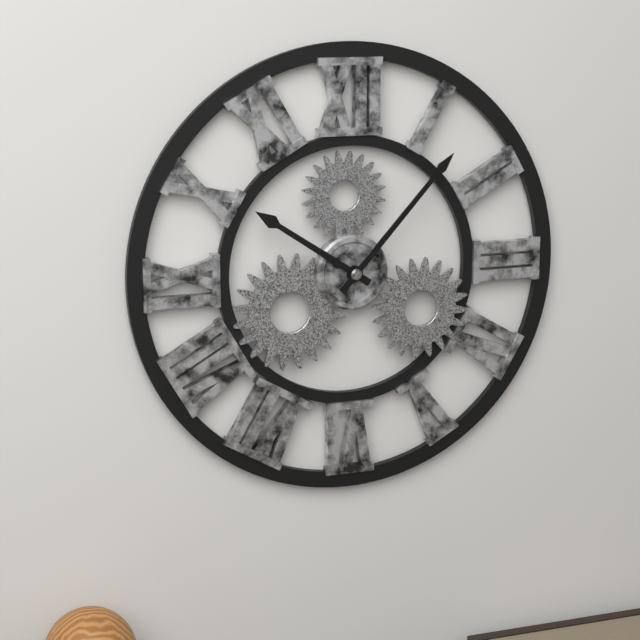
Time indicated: 10:07
